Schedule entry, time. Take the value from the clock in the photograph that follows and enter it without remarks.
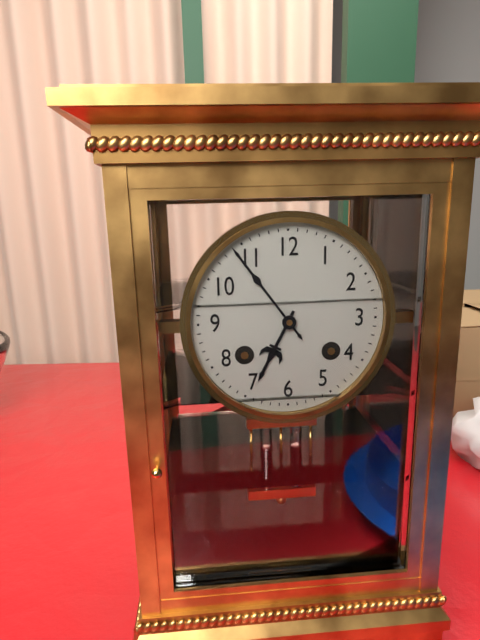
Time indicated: 6:54
